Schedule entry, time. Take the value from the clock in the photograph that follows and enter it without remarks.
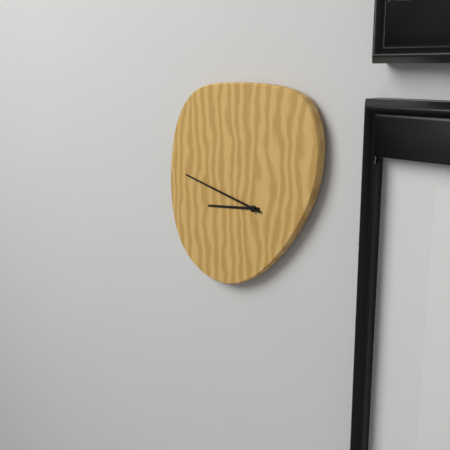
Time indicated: 8:47
